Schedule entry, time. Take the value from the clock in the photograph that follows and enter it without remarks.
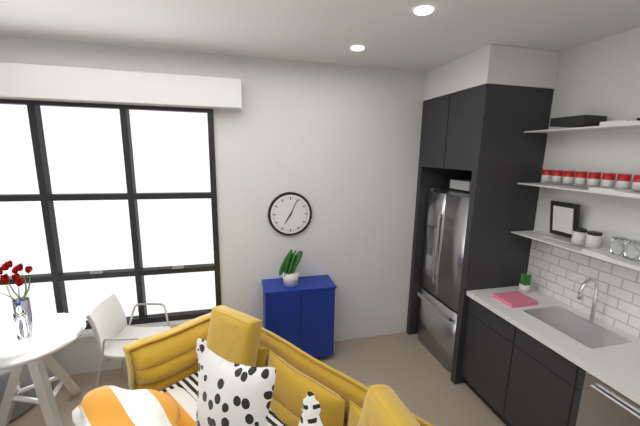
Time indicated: 7:04
